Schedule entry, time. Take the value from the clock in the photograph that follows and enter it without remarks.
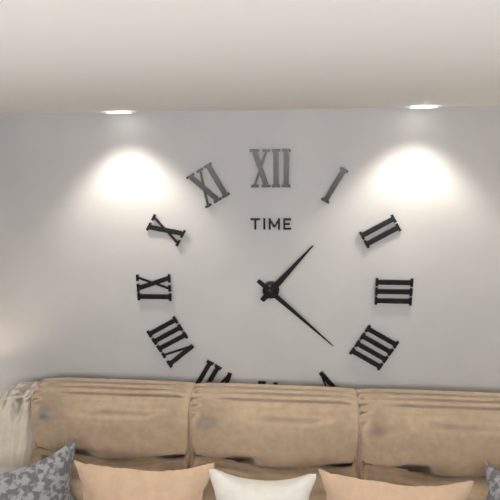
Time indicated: 1:22
